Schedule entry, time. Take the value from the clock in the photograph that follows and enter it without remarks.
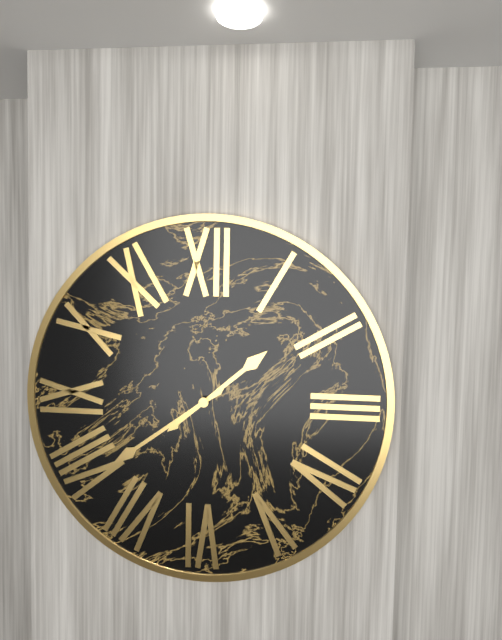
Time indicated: 1:39
